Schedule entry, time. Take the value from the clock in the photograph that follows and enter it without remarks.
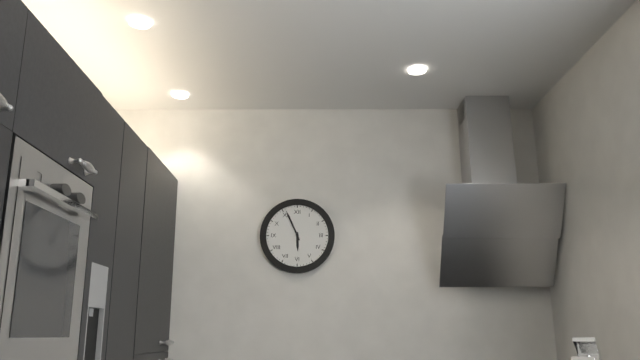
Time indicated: 5:56
